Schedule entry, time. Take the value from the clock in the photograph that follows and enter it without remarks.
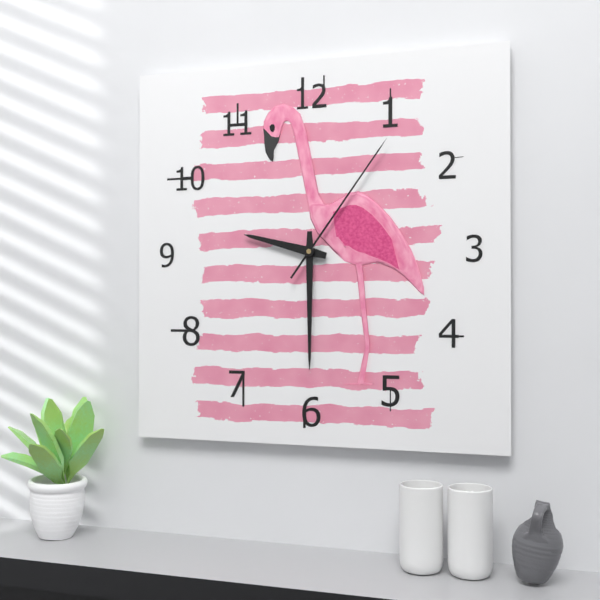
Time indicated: 9:30:06
